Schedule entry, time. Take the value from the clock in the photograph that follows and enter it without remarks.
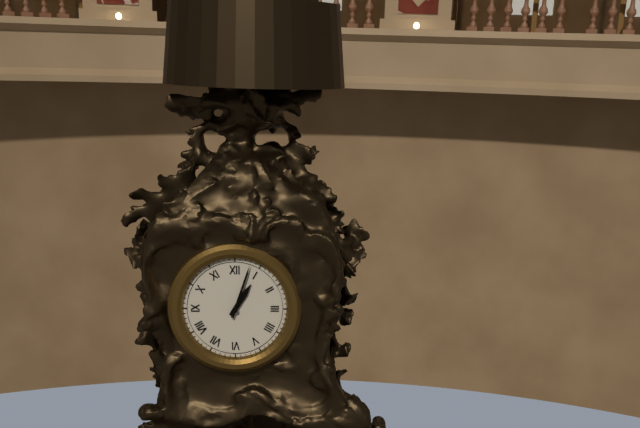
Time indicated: 1:03
